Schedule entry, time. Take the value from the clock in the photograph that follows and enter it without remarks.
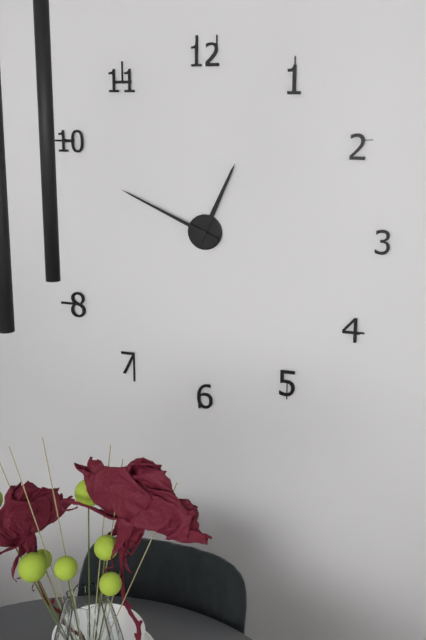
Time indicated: 12:49
